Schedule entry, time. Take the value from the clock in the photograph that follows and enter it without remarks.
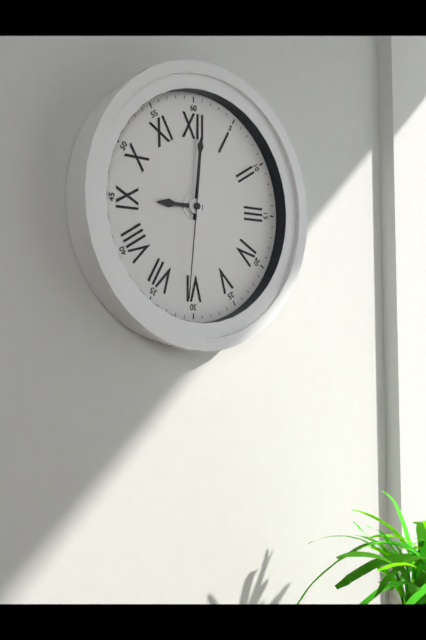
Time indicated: 9:01:31
